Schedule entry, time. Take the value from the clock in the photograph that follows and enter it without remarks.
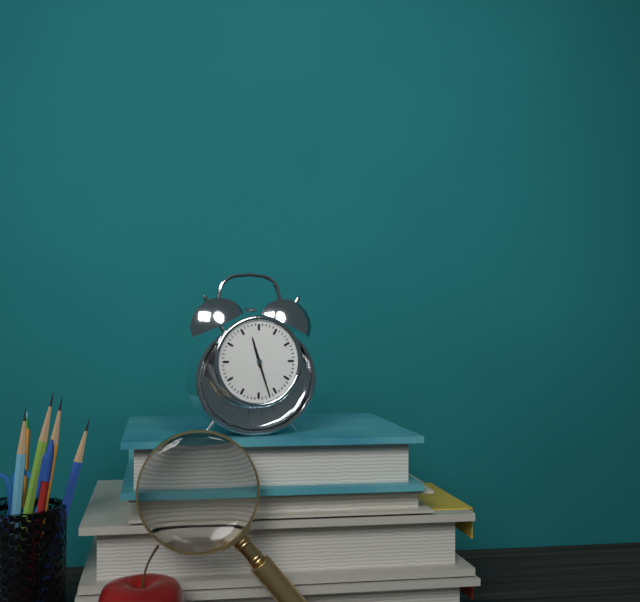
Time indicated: 11:27
